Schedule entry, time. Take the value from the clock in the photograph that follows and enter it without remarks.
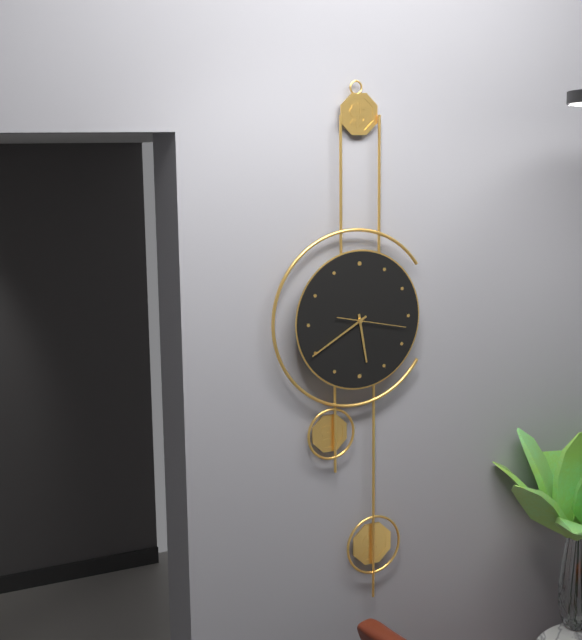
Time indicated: 5:40:17
